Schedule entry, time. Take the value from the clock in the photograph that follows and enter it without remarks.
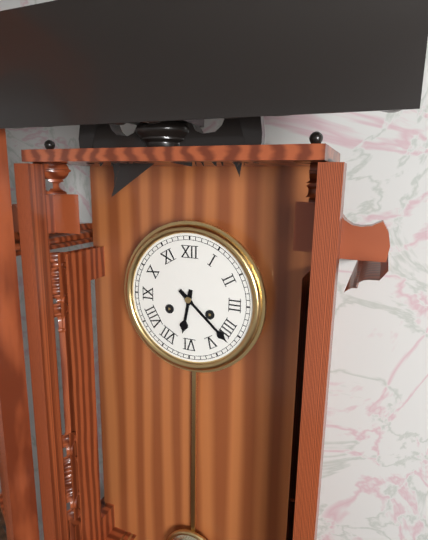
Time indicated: 6:22
